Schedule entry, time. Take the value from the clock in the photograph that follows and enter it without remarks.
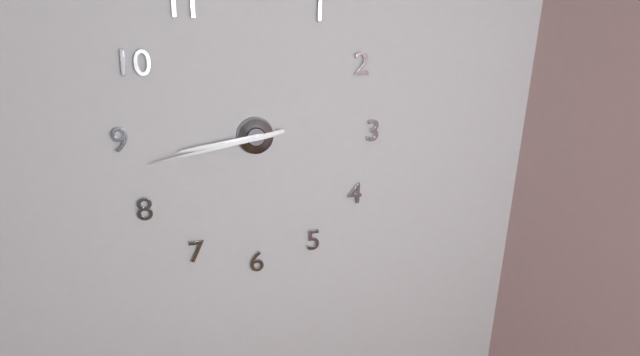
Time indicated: 8:43
